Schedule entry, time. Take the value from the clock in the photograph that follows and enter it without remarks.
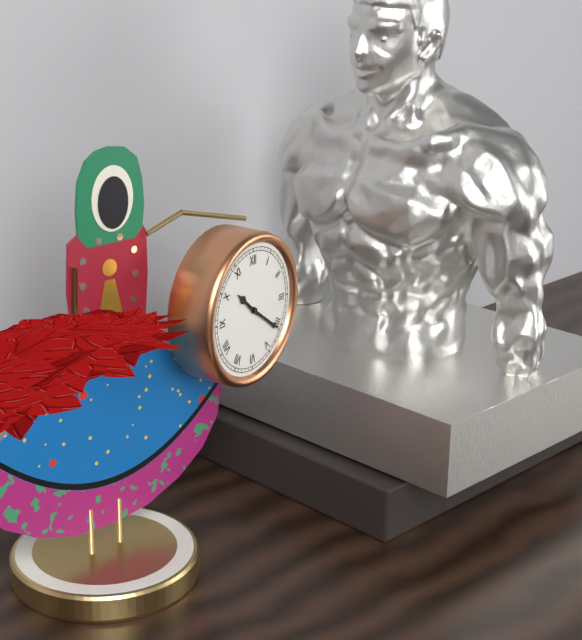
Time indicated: 10:21
